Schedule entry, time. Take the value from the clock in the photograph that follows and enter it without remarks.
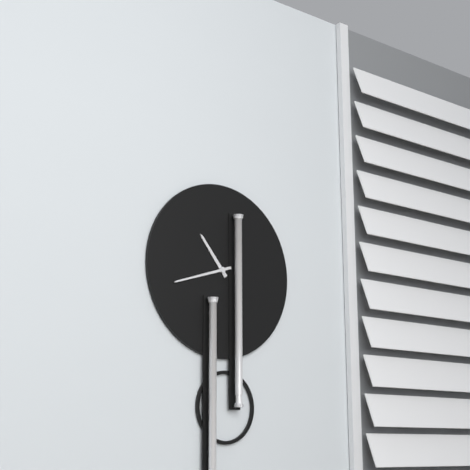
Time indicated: 10:42
